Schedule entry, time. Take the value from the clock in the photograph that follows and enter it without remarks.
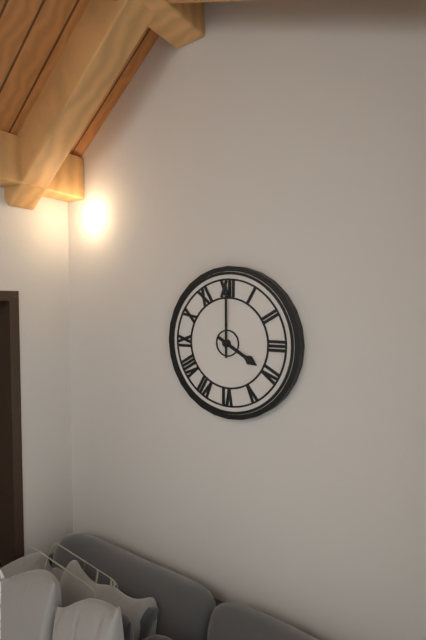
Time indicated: 4:00
